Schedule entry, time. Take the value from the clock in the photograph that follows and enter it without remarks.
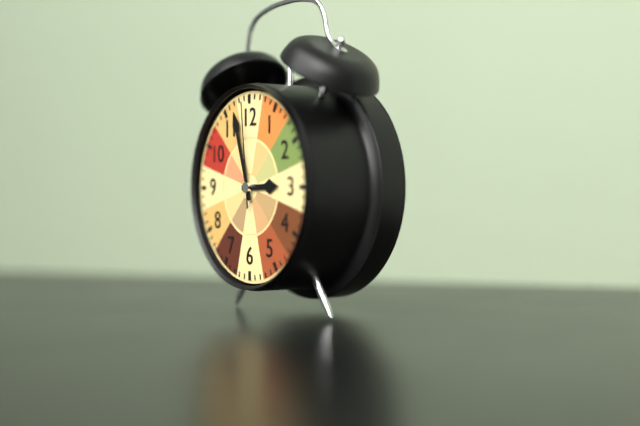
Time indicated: 2:57:59
